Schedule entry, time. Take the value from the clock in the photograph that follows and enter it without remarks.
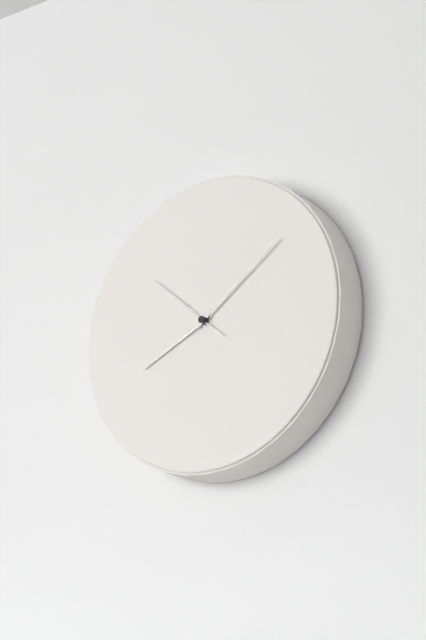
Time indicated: 8:09:52
